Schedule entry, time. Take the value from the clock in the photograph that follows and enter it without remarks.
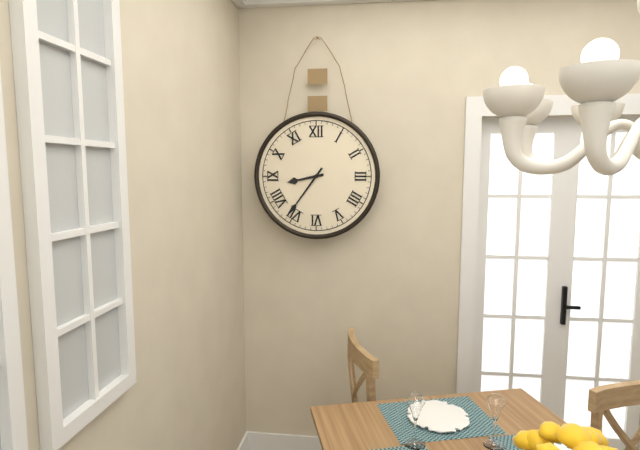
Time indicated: 8:36
